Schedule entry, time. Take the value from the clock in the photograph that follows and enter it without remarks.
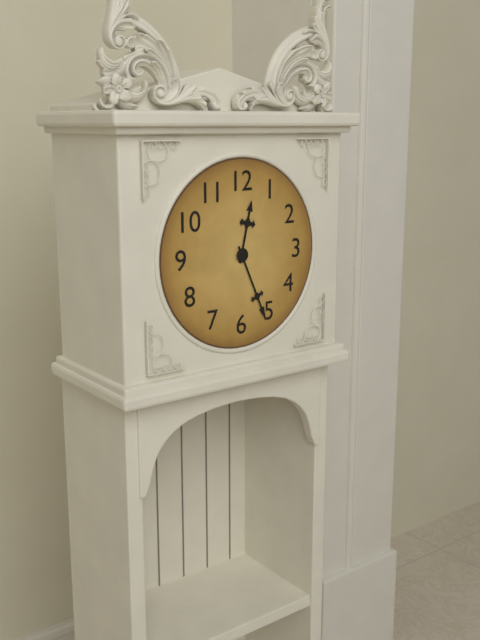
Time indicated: 12:26
